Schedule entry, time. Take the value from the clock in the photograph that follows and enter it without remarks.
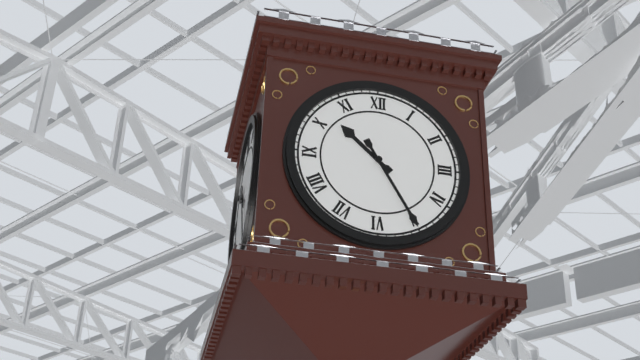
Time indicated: 10:25
